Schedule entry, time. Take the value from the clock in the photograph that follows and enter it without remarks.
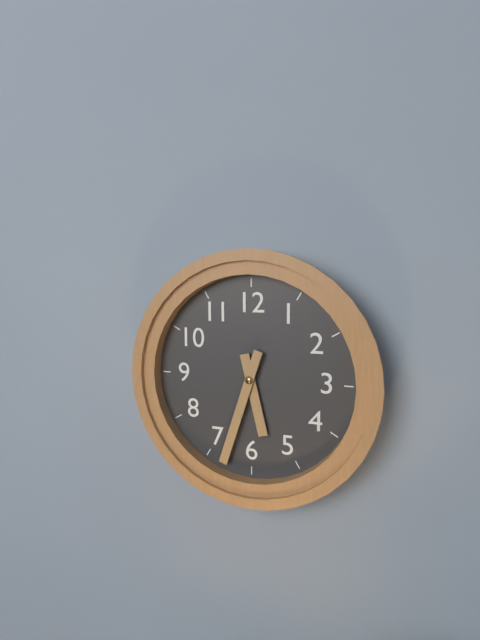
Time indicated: 5:33
